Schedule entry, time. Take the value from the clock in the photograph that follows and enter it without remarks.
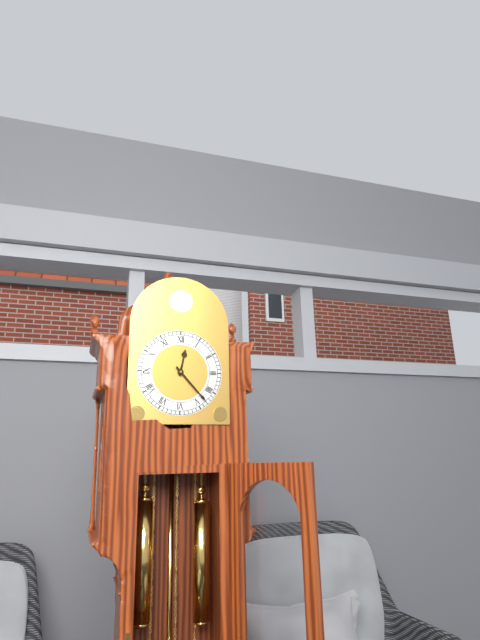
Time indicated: 12:23
